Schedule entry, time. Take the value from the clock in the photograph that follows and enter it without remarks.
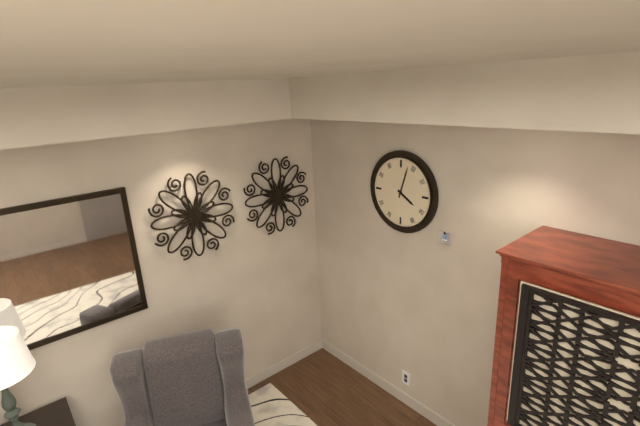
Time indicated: 4:03
